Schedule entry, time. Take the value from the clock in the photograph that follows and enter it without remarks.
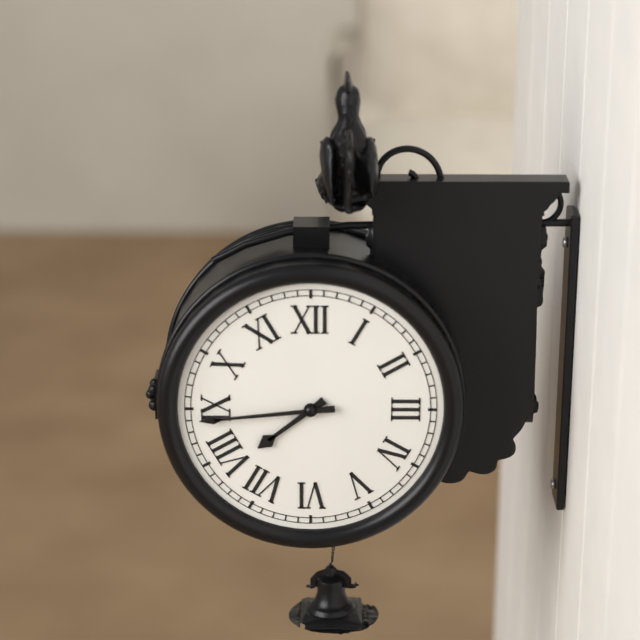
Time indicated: 7:44
